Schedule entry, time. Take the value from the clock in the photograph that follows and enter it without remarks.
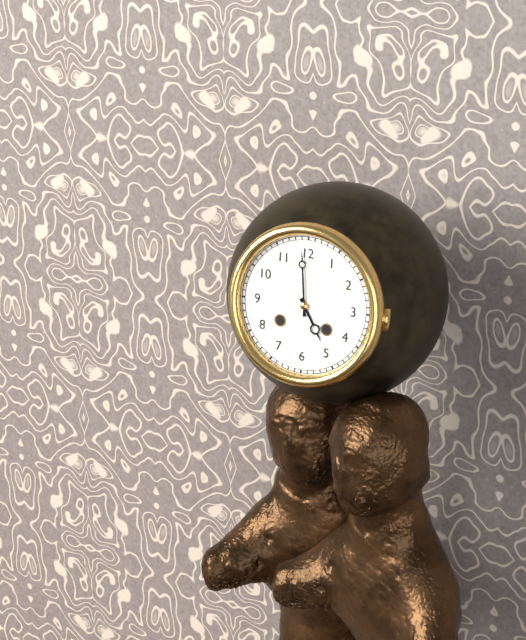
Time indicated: 4:59
